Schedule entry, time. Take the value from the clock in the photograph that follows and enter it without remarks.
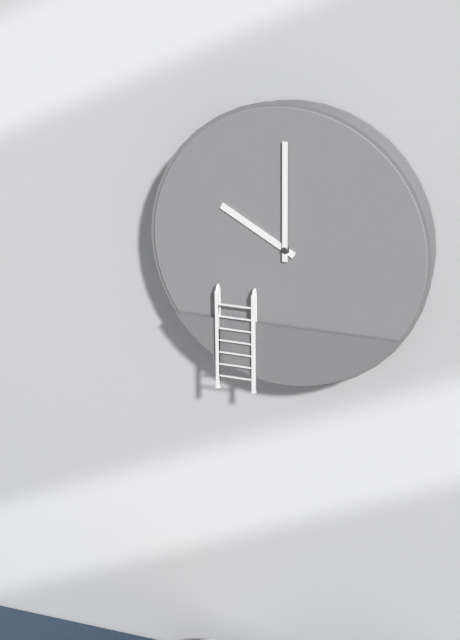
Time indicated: 10:00
